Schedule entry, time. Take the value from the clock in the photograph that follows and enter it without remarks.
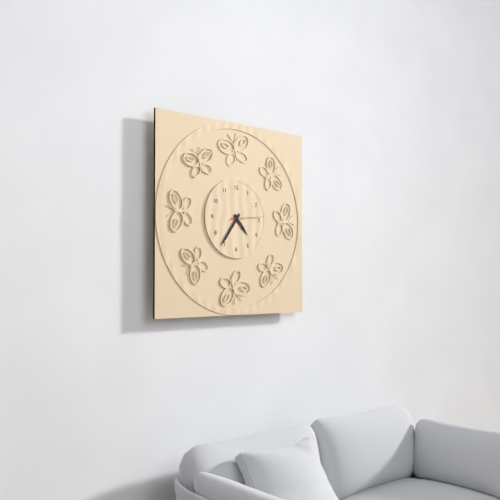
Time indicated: 4:36
